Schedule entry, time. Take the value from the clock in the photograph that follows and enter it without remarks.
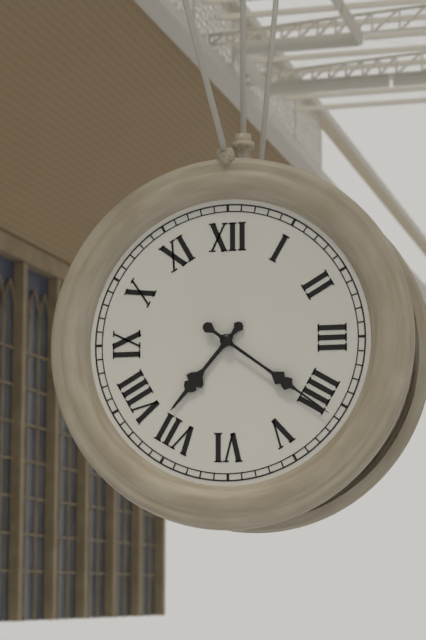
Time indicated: 7:21
